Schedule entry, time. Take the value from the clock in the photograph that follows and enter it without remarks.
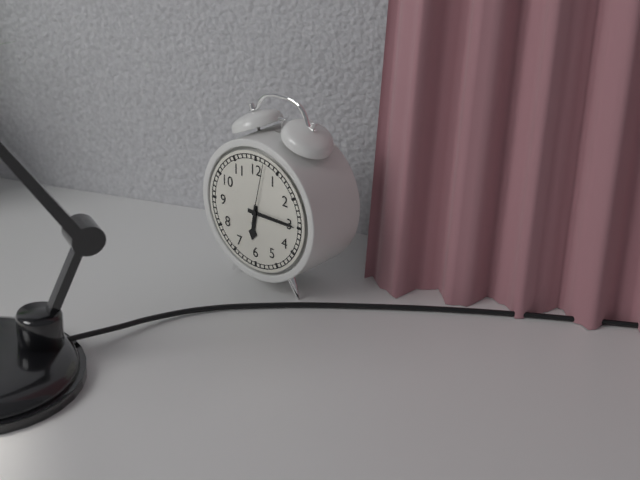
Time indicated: 6:15:02
